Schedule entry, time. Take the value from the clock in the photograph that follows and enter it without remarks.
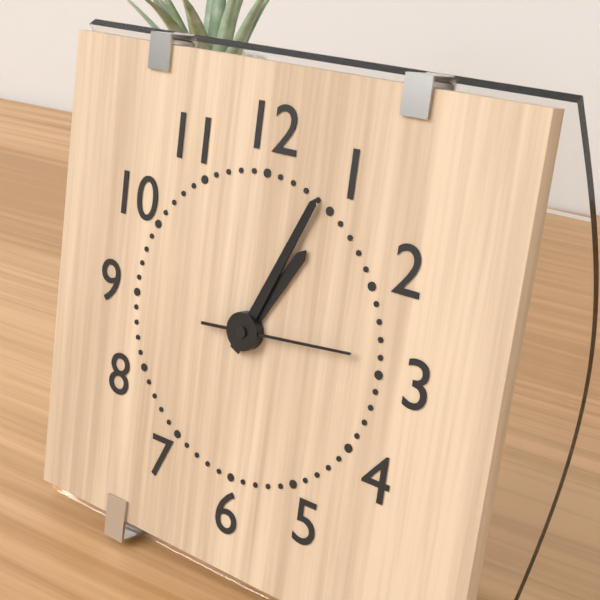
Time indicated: 1:04:14
